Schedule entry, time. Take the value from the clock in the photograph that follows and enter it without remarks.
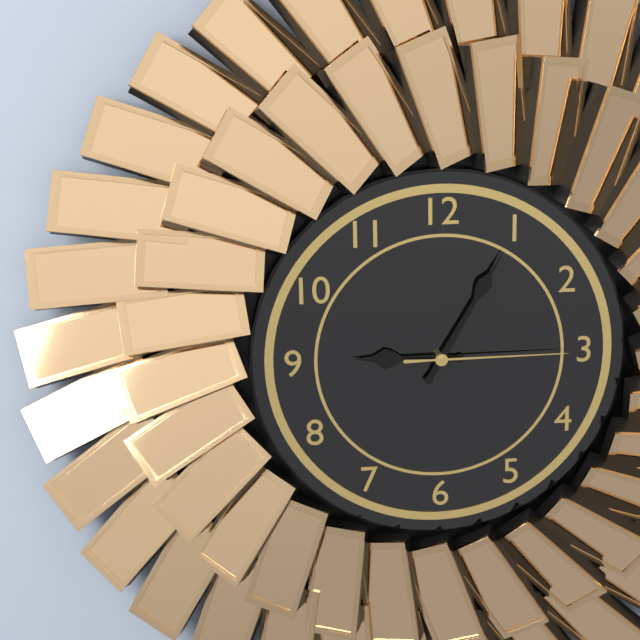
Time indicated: 9:05:15
